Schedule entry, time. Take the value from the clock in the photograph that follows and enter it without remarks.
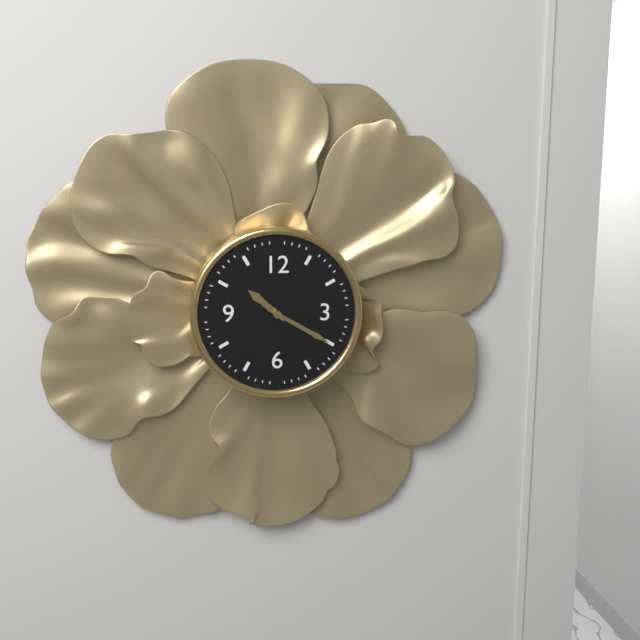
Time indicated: 10:20
